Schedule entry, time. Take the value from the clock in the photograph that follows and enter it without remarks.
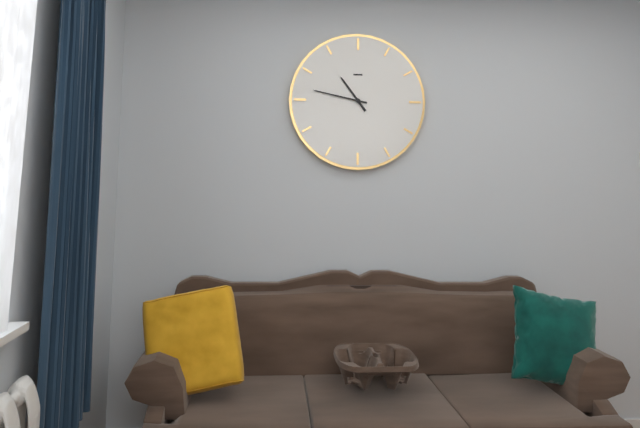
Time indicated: 10:47
